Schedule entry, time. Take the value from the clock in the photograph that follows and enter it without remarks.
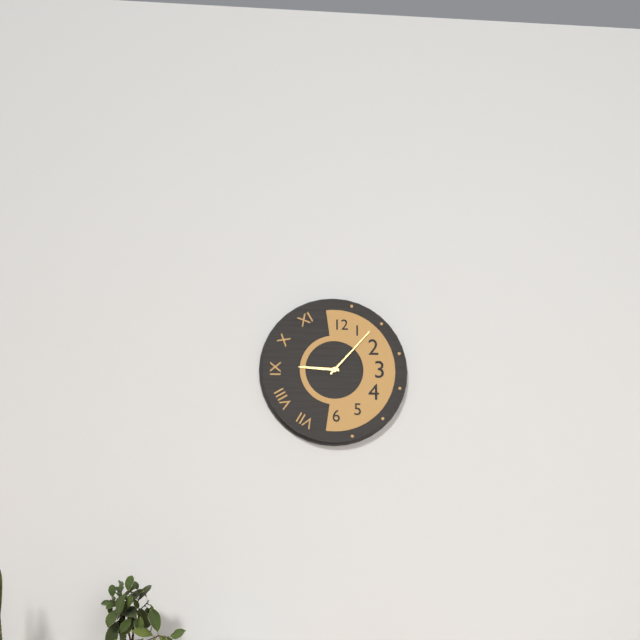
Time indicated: 9:07
